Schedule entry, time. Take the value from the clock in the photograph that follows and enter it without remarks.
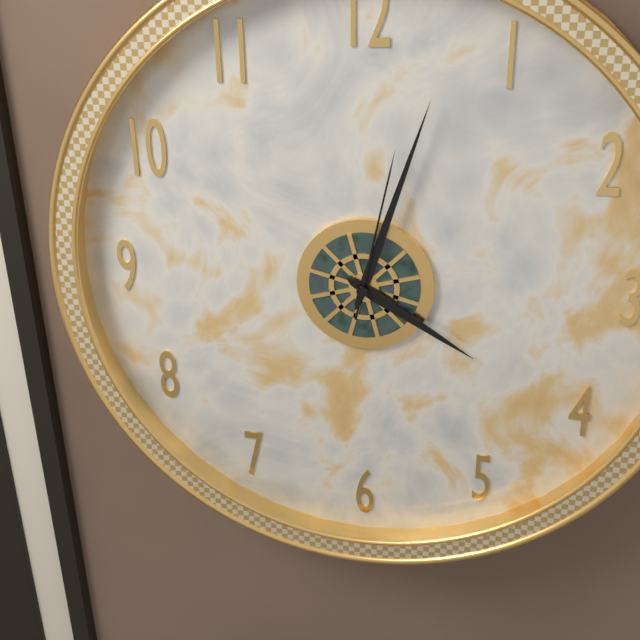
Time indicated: 4:03:02
